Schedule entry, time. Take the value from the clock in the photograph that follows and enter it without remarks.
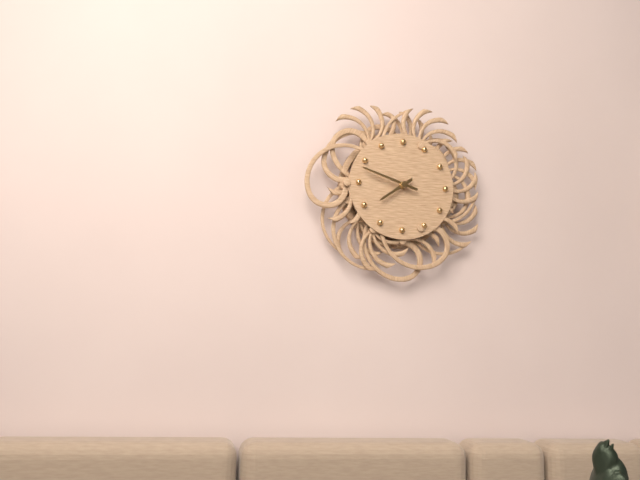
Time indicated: 7:48
